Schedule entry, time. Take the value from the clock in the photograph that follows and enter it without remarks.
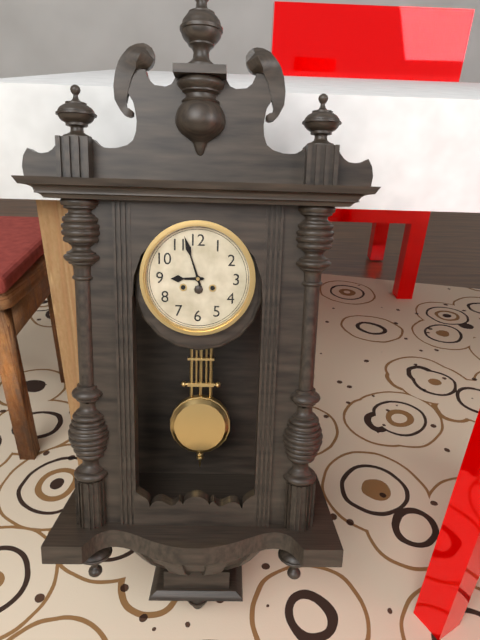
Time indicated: 8:57
